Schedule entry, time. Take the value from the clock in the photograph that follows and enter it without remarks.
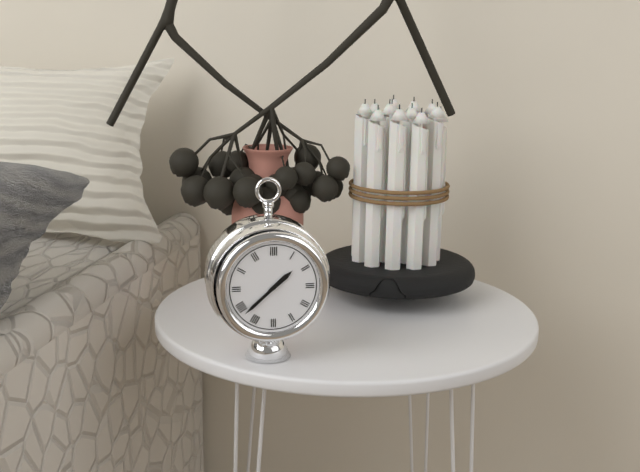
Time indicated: 1:38
